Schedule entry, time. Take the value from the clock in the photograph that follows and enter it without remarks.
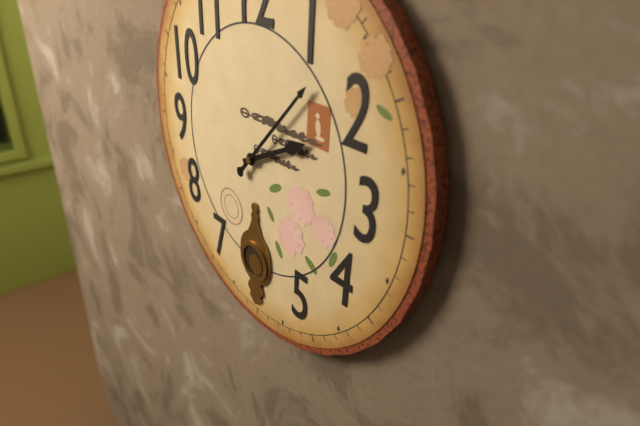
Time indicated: 2:07
